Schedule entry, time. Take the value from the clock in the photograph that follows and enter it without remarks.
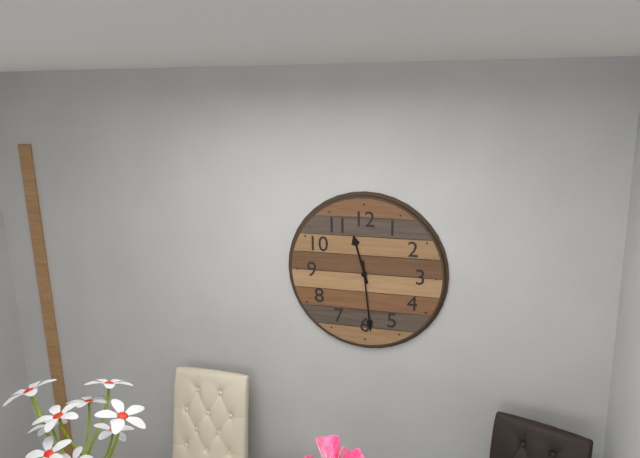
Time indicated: 11:29
